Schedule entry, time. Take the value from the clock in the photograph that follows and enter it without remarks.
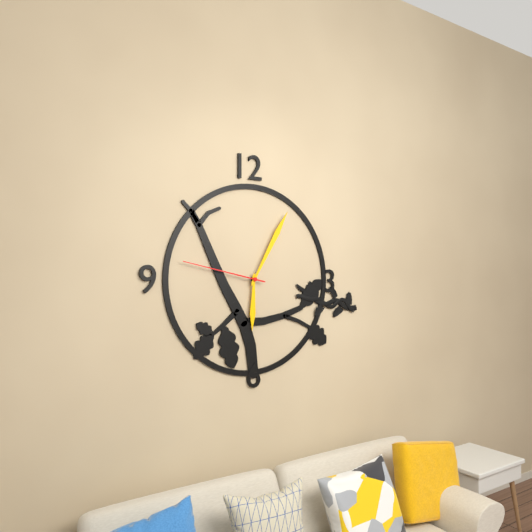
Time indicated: 6:05:47
